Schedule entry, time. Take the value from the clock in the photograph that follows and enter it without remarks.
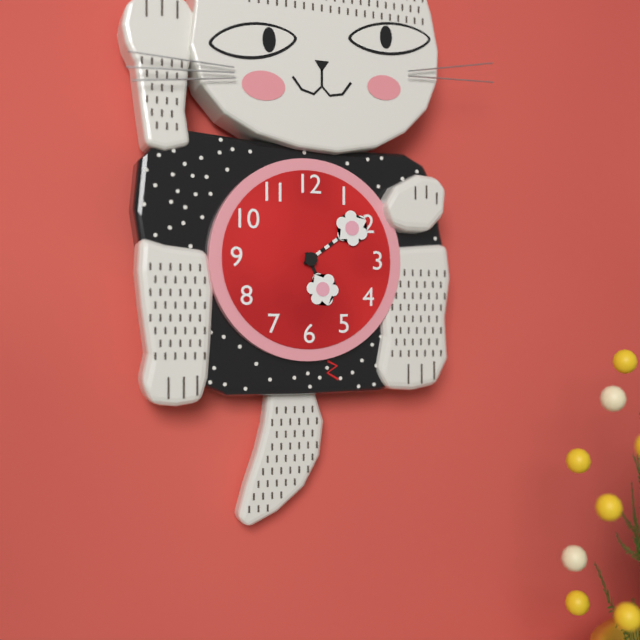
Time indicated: 5:09
